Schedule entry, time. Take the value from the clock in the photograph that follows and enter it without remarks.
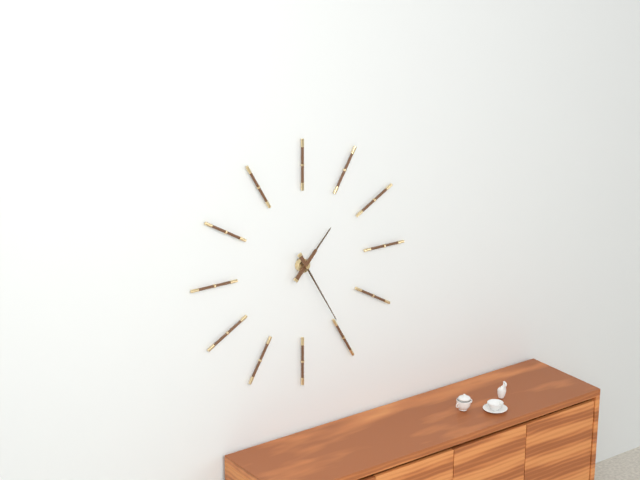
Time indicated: 1:25
